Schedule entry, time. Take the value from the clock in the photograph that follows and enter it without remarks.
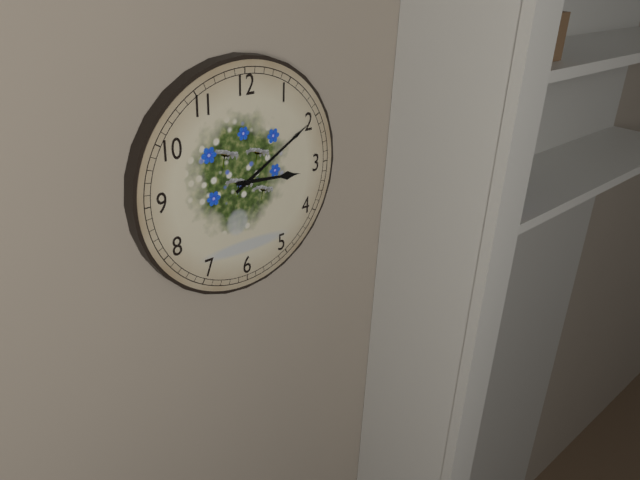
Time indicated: 3:10
